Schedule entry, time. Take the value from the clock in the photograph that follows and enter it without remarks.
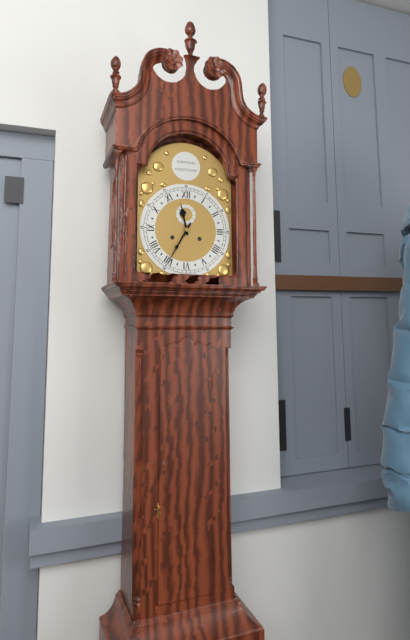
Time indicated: 11:35
